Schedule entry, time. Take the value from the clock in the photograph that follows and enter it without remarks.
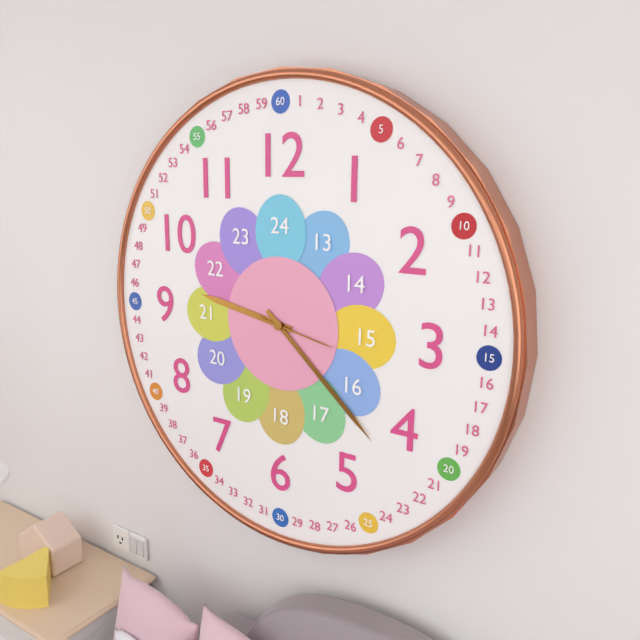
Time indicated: 9:22:17
